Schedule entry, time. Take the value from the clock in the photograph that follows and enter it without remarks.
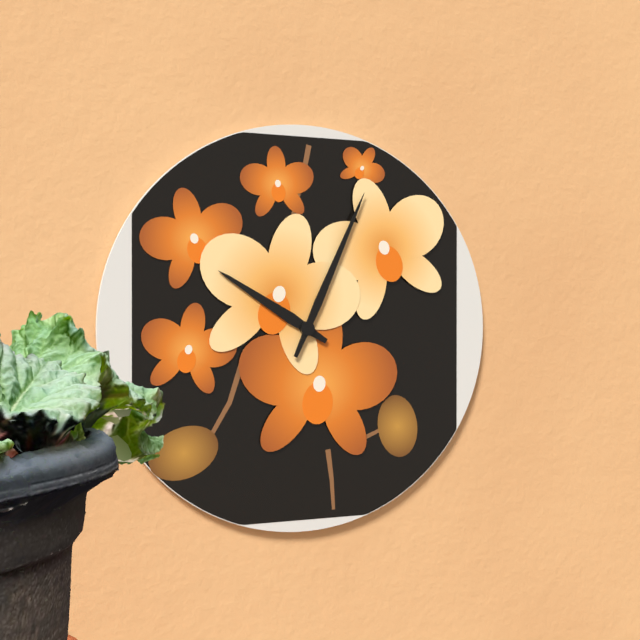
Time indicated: 10:04
